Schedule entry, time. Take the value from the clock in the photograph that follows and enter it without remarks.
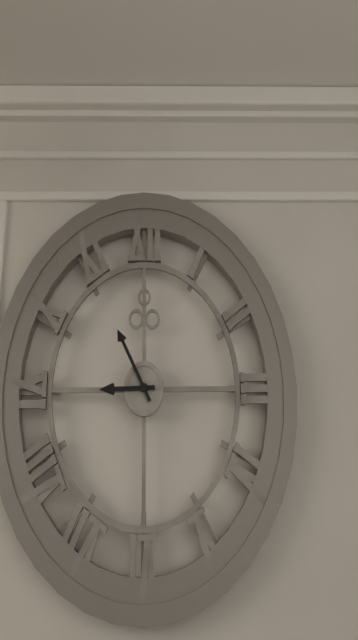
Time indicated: 8:56
